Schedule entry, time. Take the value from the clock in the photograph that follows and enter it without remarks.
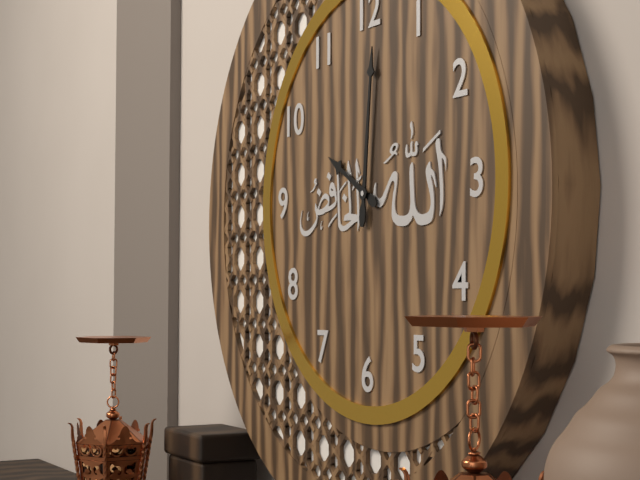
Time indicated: 10:01
